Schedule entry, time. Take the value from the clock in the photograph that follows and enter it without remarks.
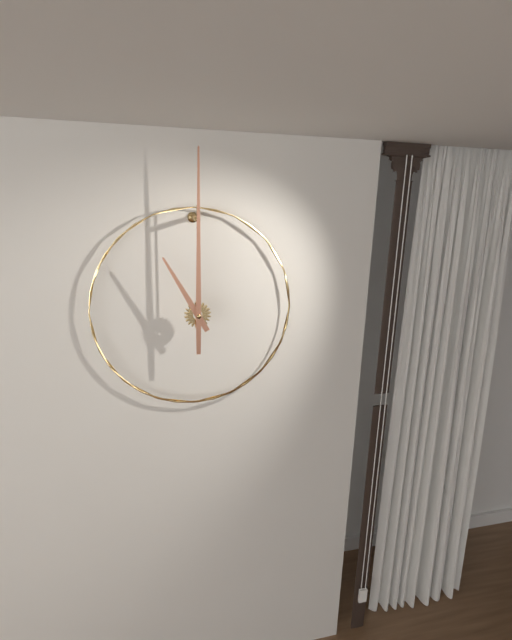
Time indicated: 11:00
